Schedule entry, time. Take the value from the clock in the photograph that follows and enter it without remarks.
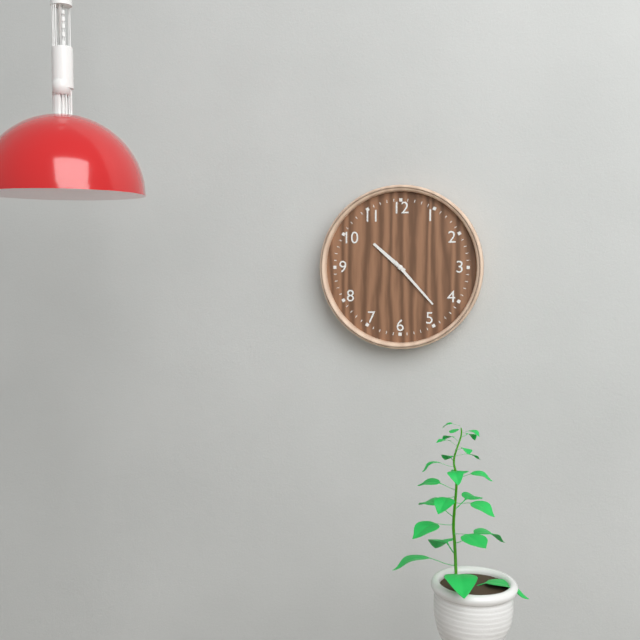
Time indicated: 10:23
